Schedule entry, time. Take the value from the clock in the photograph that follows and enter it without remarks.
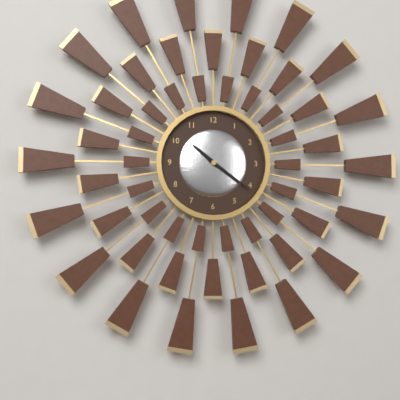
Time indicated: 10:21
